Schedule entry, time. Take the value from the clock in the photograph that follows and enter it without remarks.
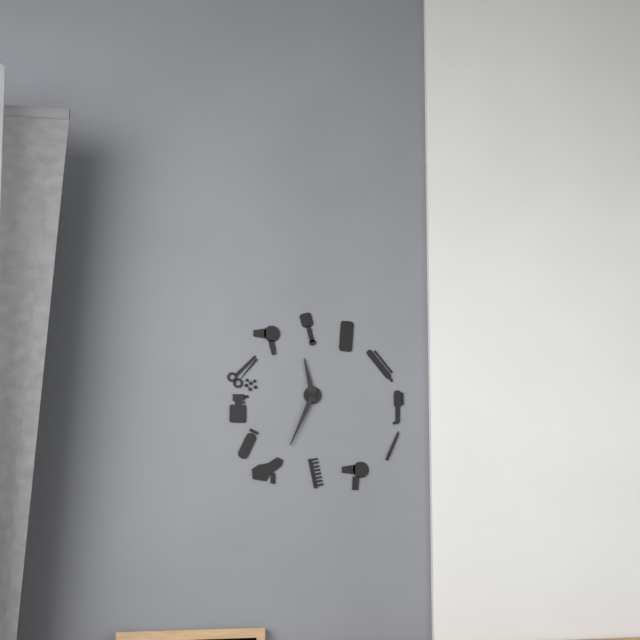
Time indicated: 11:34
